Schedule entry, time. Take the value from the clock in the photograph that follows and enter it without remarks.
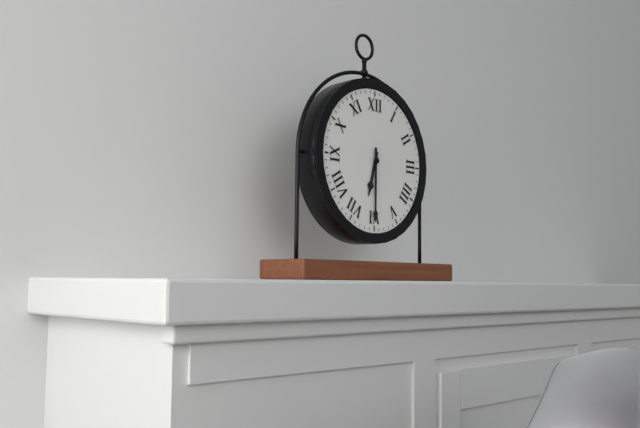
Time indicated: 6:30
